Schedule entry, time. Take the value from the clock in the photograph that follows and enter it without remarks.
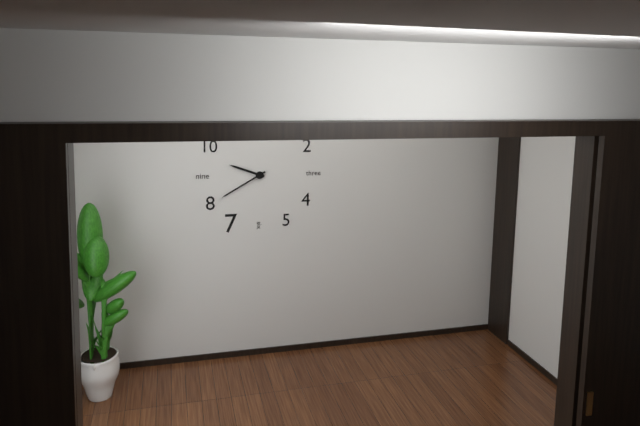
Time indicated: 9:40
